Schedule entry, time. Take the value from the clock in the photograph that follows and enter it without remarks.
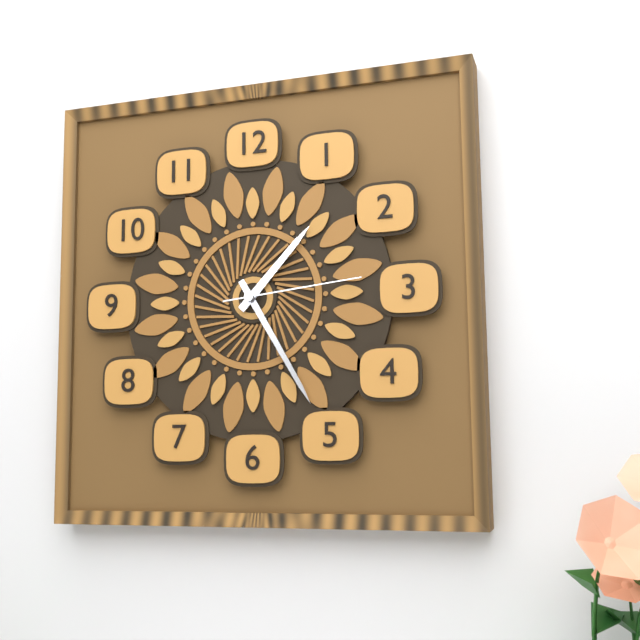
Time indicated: 1:25:14
